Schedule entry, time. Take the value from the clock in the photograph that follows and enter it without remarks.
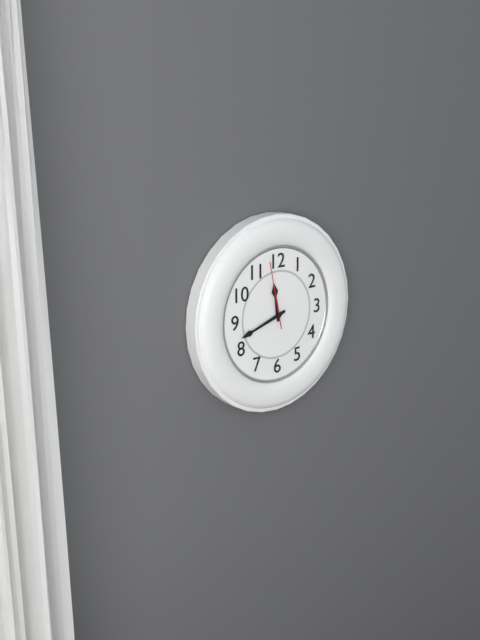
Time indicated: 11:42:58
